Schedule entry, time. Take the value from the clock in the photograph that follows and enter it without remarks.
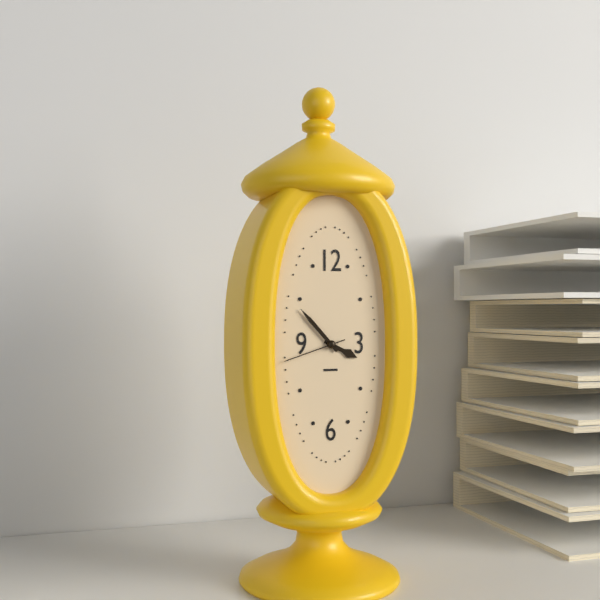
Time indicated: 3:53:42
